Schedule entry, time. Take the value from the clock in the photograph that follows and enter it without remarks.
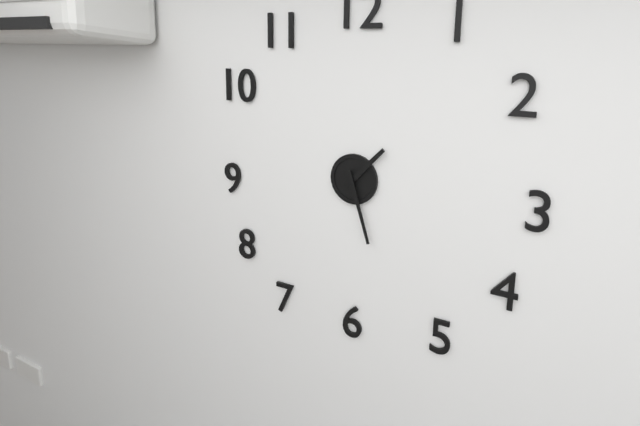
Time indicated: 1:27
